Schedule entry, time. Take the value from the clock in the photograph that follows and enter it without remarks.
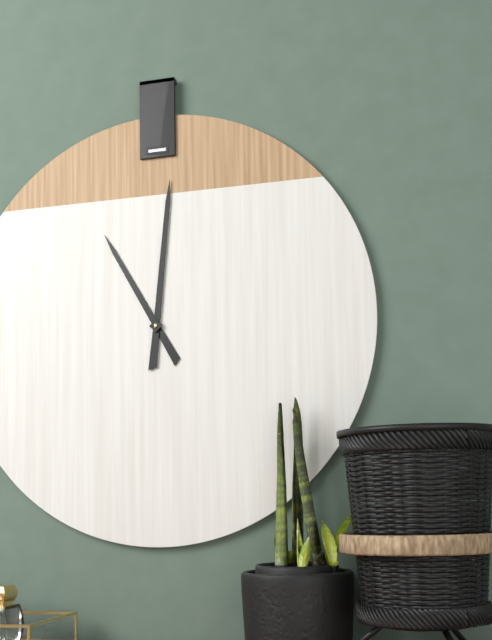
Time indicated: 11:01
